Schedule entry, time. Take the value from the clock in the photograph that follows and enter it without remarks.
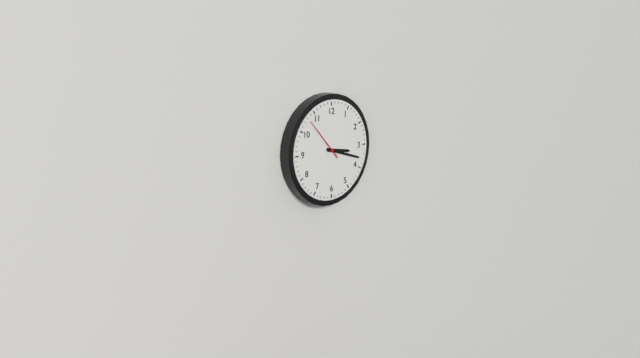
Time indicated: 3:18
